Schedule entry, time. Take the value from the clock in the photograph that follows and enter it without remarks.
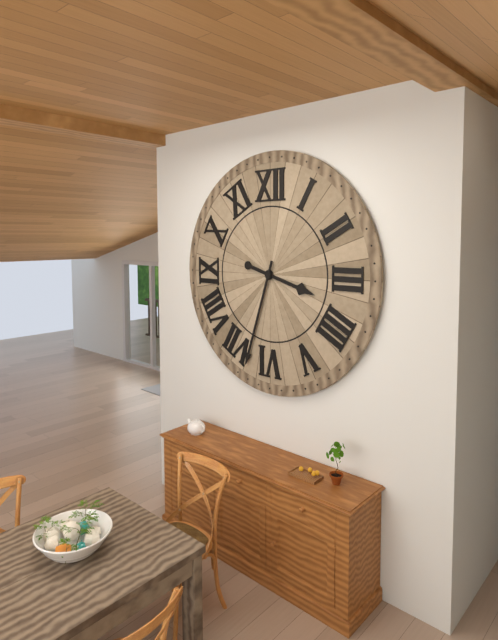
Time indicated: 3:33
